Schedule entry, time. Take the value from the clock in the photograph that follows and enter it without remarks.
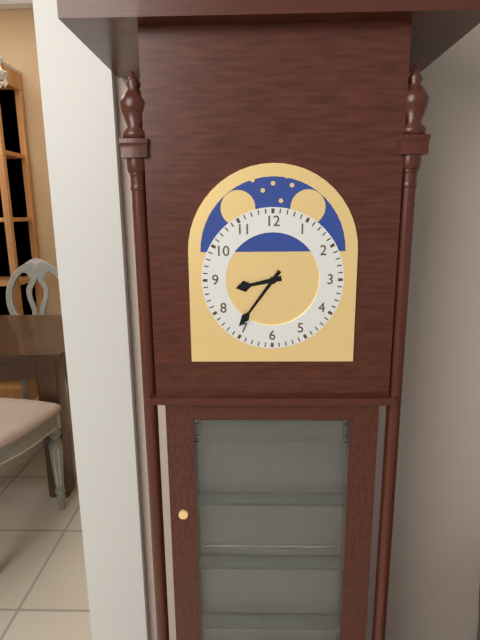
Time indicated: 8:36
